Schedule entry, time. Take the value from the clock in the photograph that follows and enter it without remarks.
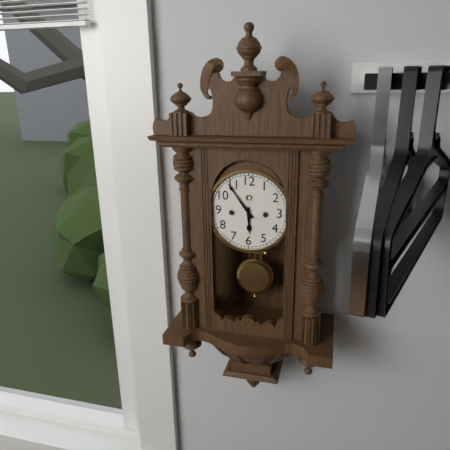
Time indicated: 5:54
